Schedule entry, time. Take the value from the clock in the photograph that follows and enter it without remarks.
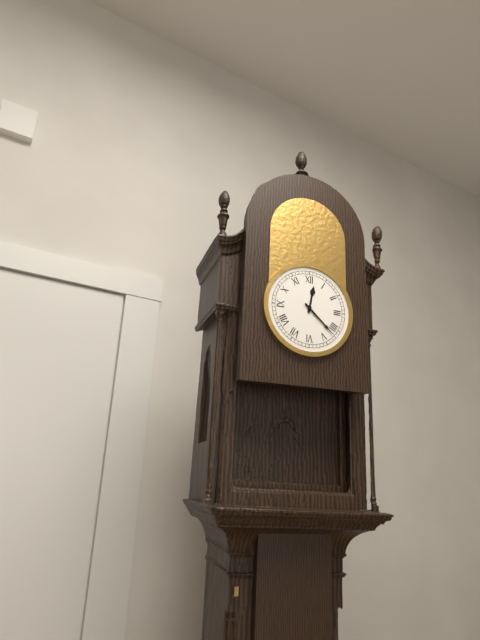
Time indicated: 12:22
